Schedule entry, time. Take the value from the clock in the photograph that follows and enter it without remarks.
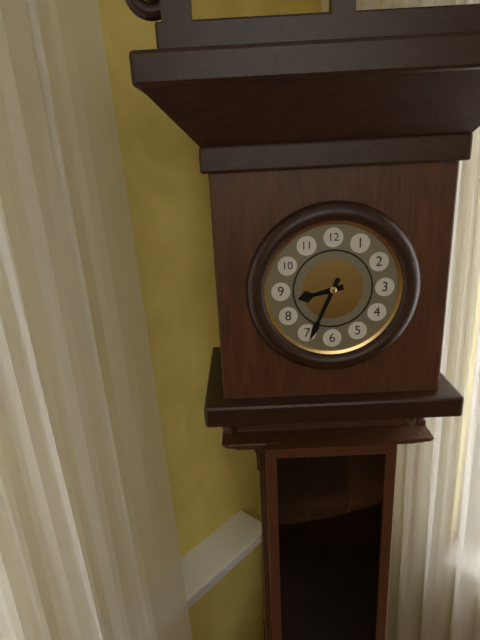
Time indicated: 8:34
